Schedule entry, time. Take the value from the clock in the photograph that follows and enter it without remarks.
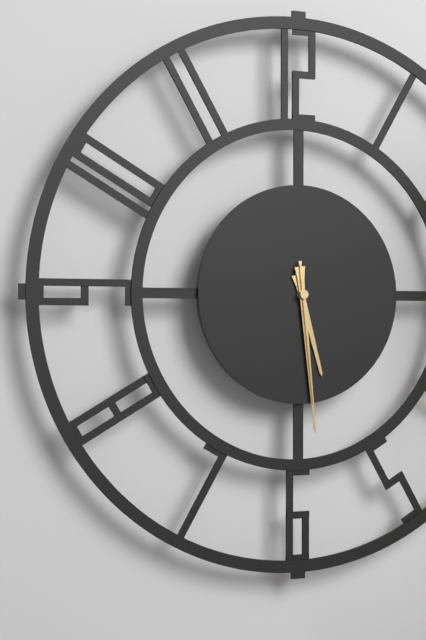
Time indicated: 5:29:29
